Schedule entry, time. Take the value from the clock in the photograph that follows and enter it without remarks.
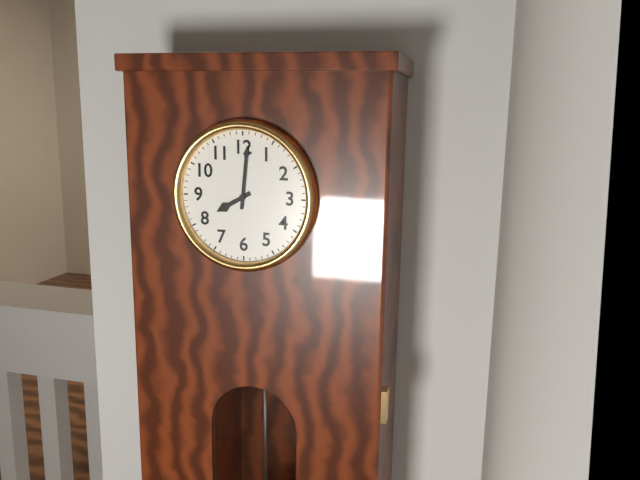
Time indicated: 8:01
